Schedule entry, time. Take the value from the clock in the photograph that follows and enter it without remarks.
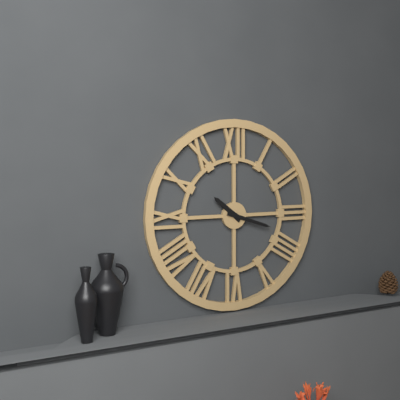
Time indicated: 10:18
